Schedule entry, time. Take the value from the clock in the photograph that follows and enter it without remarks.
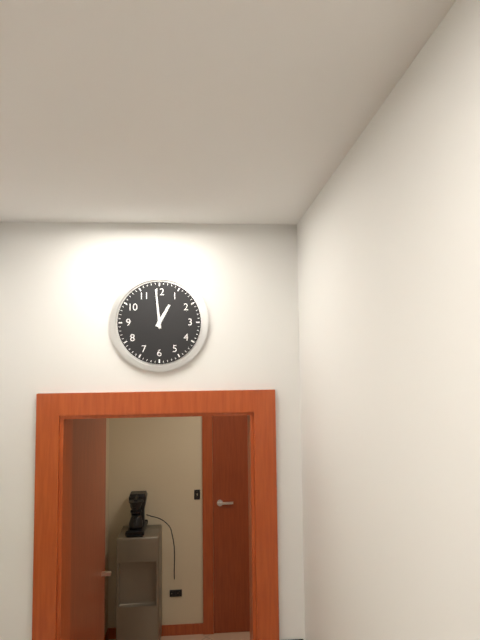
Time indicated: 12:59
